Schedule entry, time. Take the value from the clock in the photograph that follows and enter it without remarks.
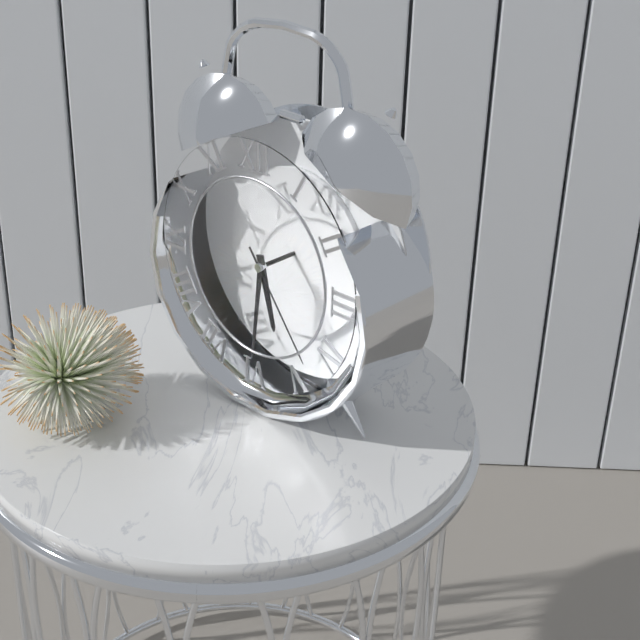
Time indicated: 5:31:24
